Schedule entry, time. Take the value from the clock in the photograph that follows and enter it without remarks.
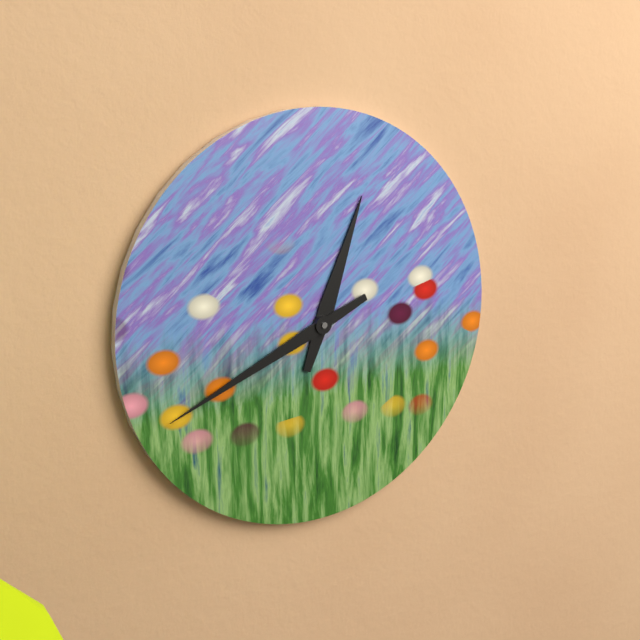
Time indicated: 12:41
